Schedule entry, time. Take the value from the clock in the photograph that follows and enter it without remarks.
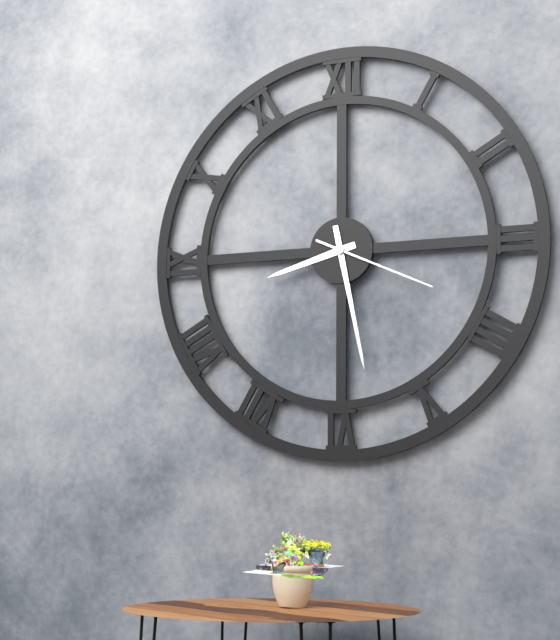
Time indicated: 8:28:19
